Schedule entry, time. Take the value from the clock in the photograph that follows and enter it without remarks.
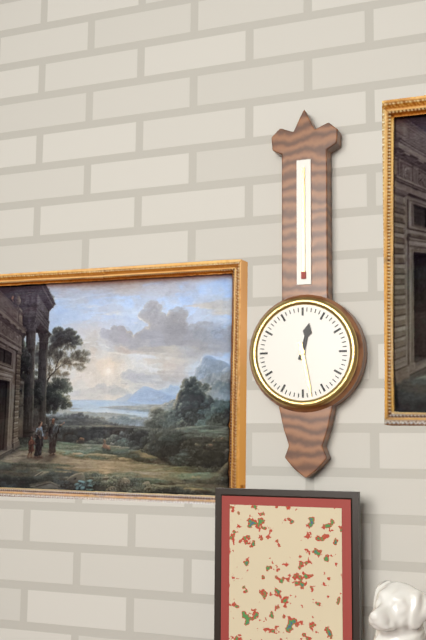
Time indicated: 12:28
